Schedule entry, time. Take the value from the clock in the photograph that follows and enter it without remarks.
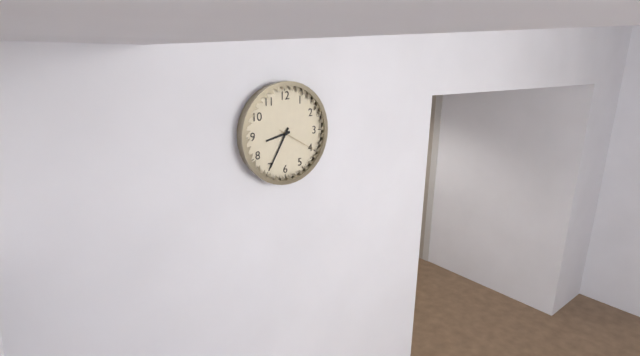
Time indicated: 8:35
